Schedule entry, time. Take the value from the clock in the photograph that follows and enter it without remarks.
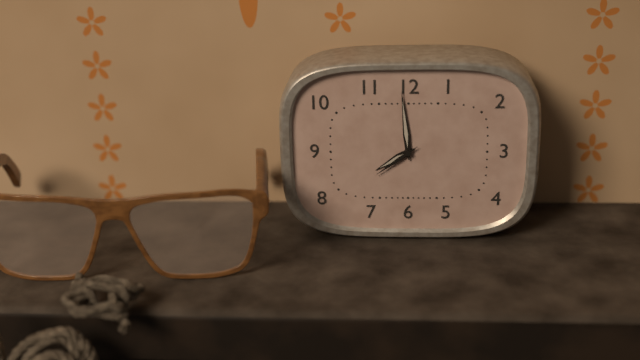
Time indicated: 7:59
